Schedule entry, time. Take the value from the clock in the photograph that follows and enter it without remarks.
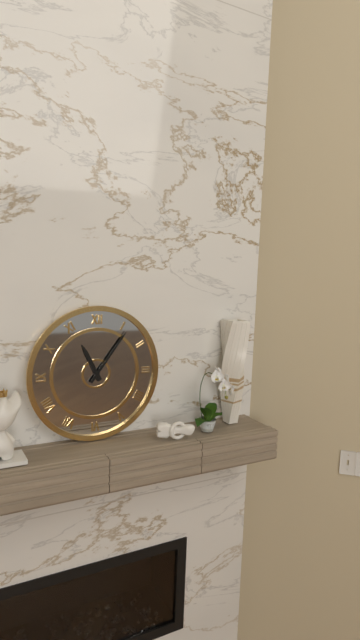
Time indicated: 11:06
